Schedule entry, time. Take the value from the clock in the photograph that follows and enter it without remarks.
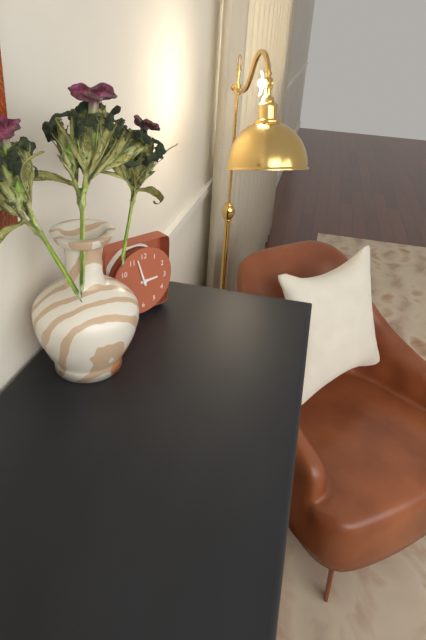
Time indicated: 2:57
